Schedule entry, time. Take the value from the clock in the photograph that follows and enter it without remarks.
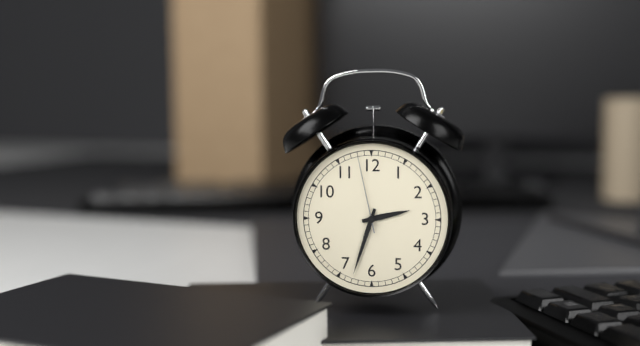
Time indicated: 2:33:58
